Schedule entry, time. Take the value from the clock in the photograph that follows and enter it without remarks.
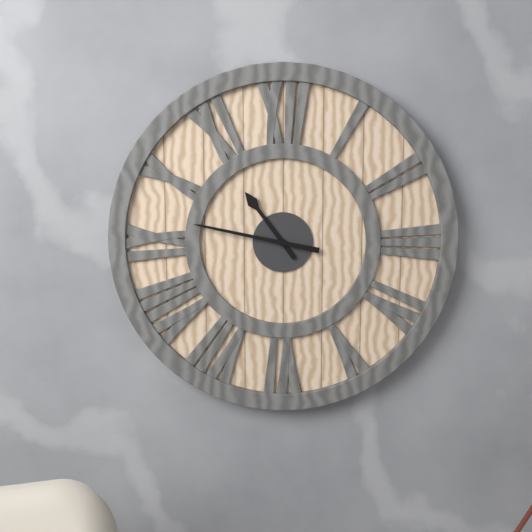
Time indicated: 10:47
